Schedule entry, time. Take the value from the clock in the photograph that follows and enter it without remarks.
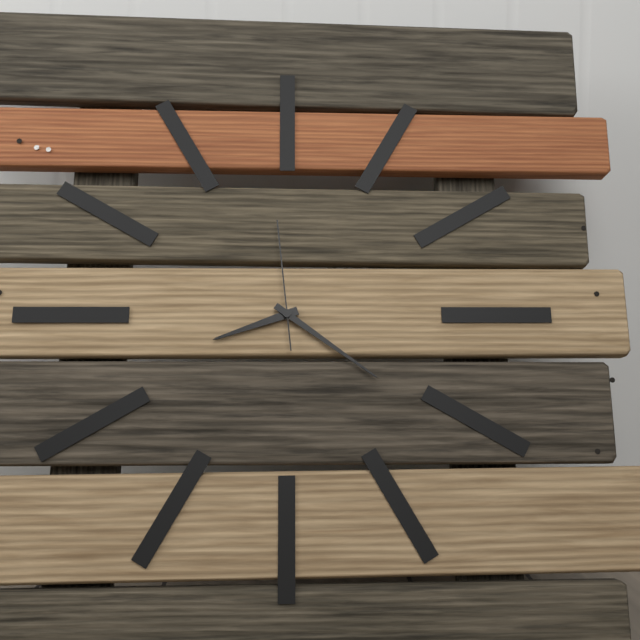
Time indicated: 8:21:59
